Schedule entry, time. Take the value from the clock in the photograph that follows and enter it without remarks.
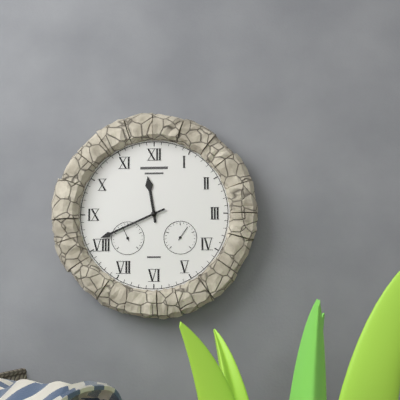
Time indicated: 11:41
